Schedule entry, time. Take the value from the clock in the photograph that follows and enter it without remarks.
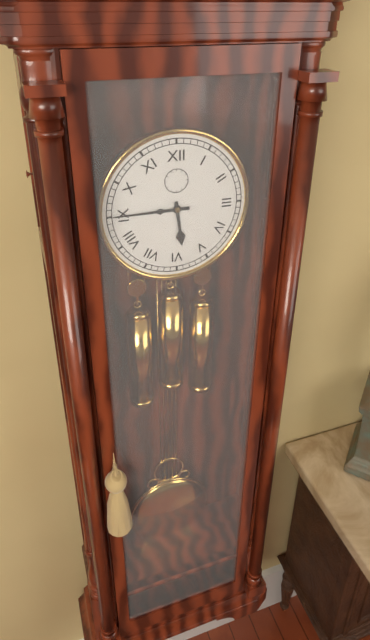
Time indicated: 5:45
